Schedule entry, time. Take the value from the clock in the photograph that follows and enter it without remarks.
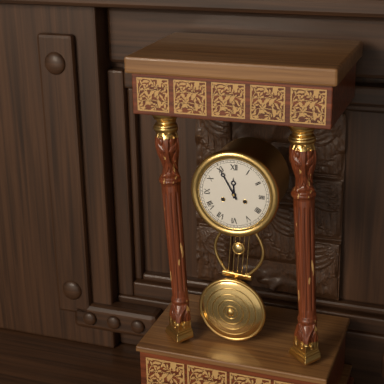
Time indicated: 11:55
